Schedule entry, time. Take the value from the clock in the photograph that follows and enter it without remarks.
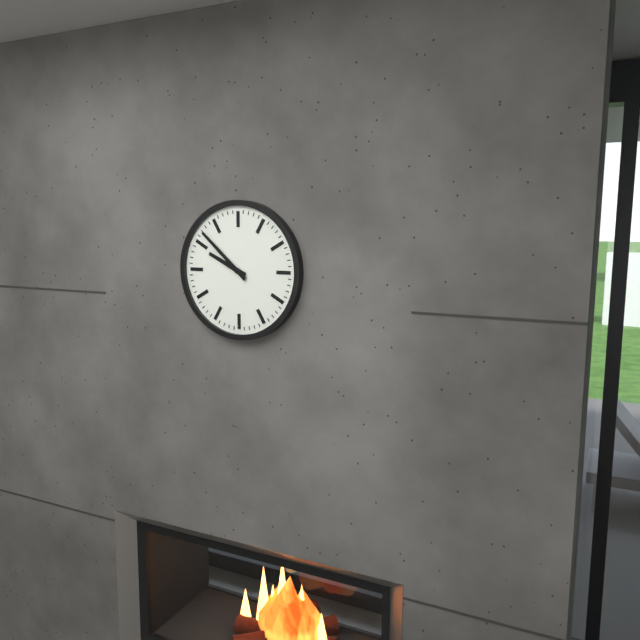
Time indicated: 9:52
